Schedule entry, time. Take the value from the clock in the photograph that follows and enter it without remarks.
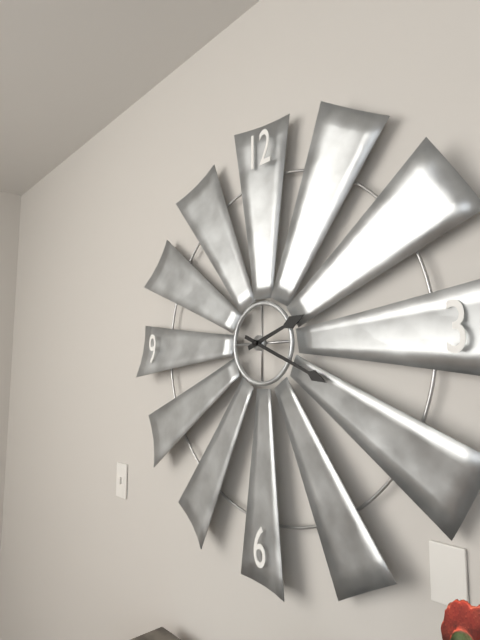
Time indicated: 2:19
